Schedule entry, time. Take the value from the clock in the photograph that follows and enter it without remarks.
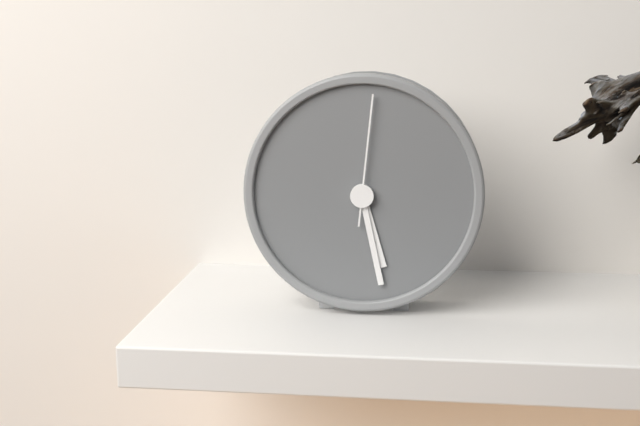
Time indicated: 5:28:01
